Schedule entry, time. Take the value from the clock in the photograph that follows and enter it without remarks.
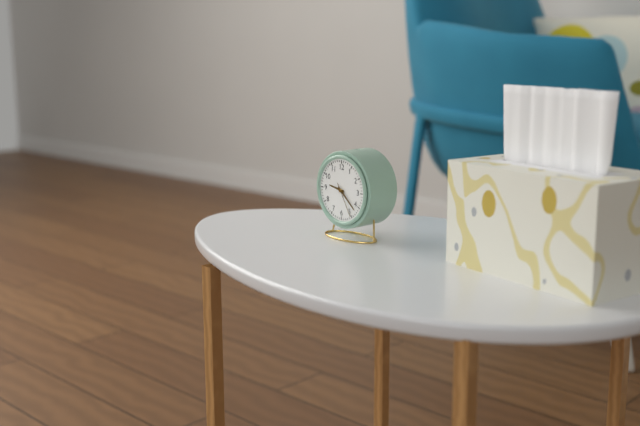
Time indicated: 9:22
